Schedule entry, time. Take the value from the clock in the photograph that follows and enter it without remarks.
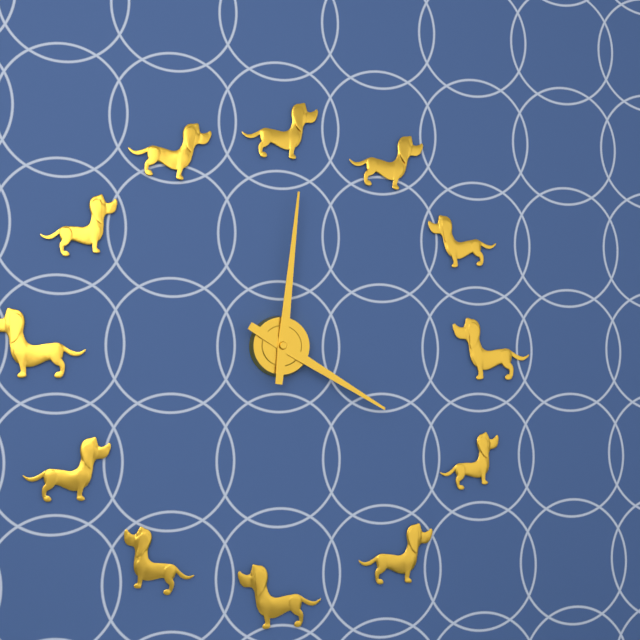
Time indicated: 4:01
